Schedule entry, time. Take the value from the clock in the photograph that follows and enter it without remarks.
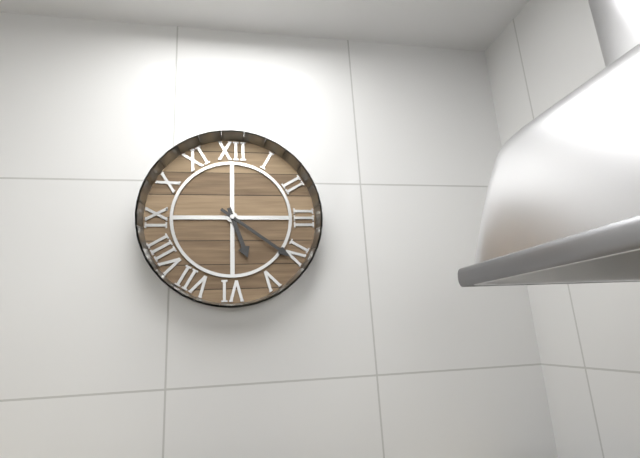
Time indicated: 5:21
